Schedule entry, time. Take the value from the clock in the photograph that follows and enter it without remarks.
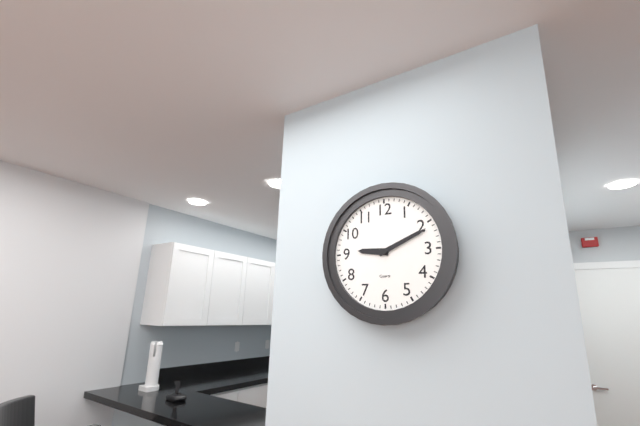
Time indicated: 9:11
